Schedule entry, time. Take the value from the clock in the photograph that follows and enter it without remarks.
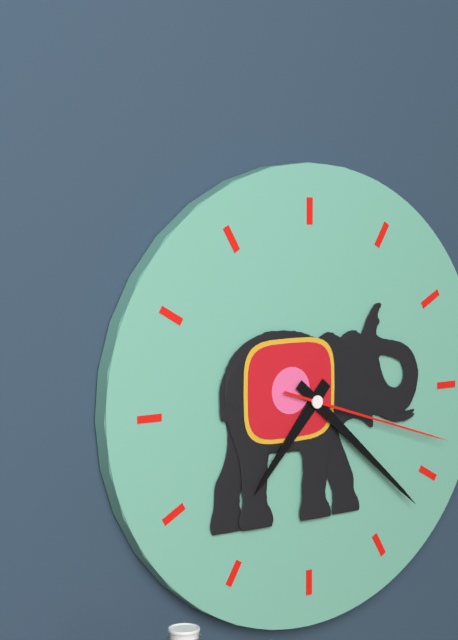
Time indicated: 7:22:18
